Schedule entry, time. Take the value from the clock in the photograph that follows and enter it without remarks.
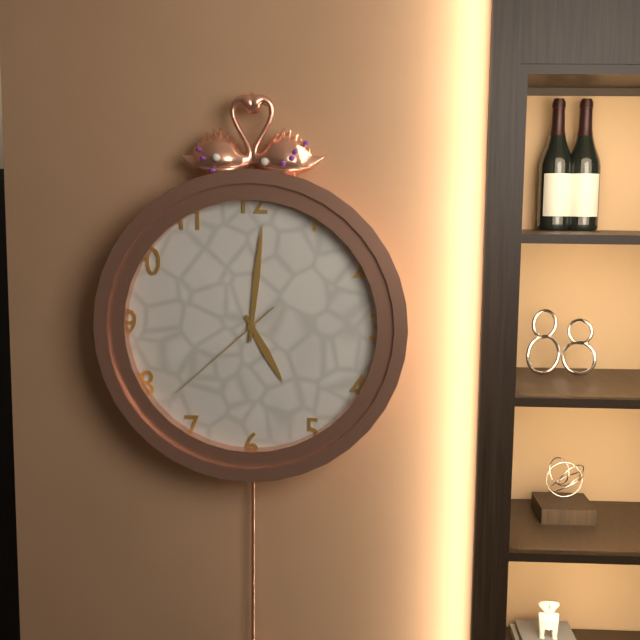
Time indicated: 5:01:38
